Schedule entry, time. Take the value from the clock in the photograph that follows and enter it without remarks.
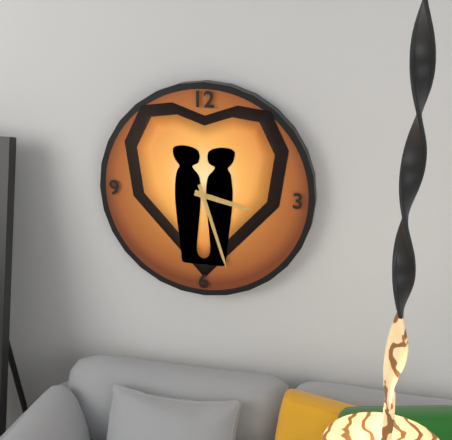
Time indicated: 3:27
